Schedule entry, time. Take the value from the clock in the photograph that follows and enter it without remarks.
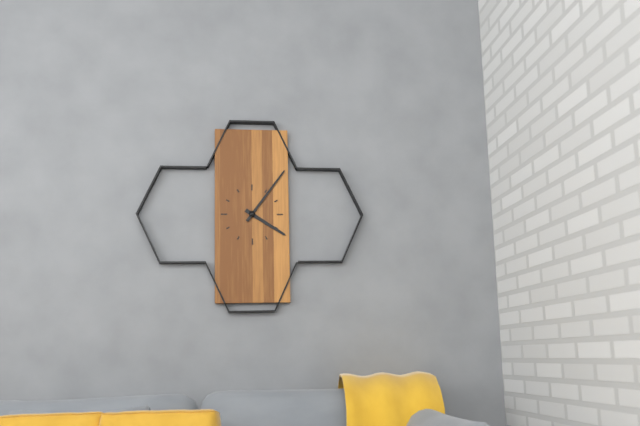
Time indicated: 4:06
